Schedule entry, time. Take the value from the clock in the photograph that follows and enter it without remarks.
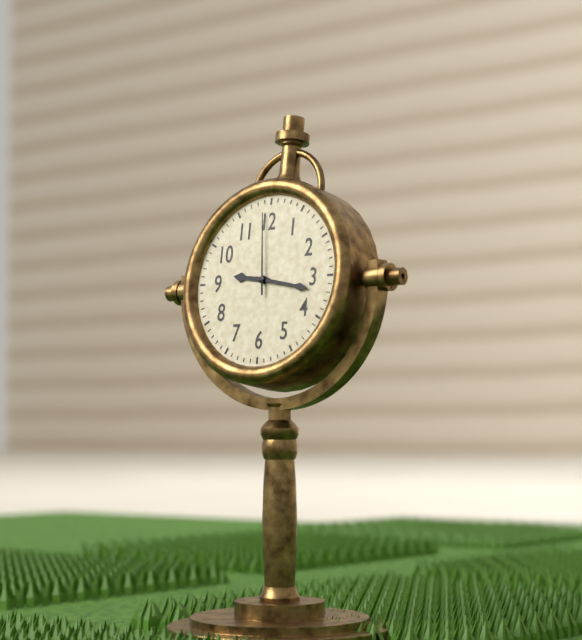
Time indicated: 9:17:59
